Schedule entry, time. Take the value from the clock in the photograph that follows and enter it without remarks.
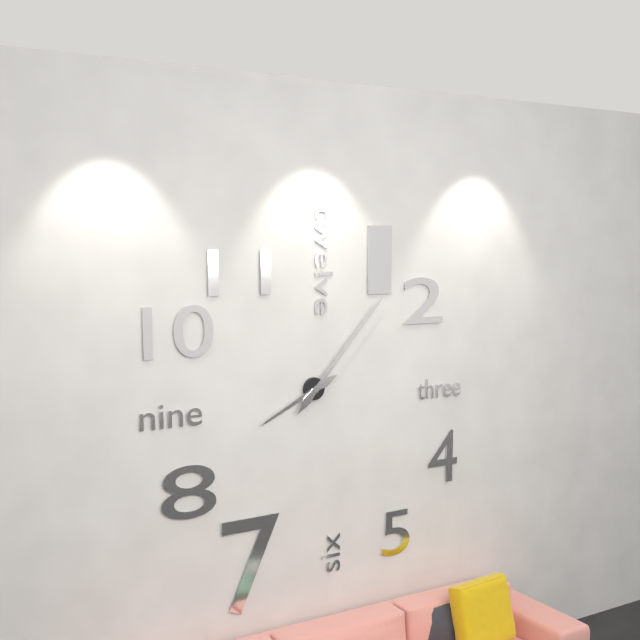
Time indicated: 8:07
